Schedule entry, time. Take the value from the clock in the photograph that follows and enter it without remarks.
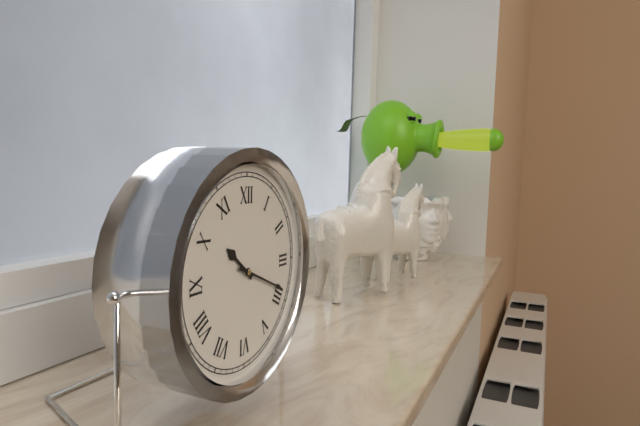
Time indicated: 10:19
